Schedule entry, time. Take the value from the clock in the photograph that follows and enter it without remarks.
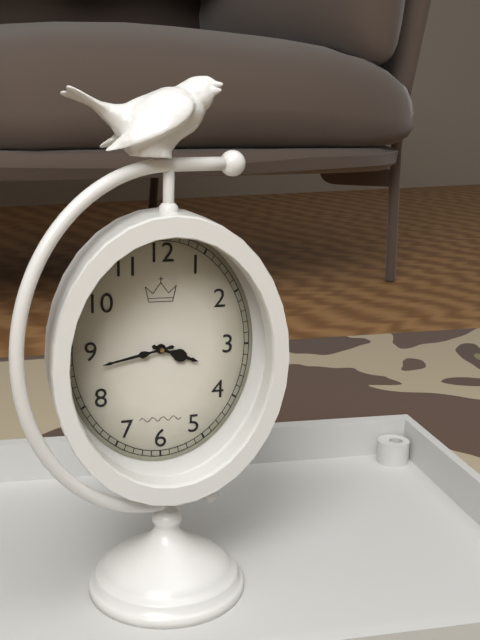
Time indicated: 3:43
